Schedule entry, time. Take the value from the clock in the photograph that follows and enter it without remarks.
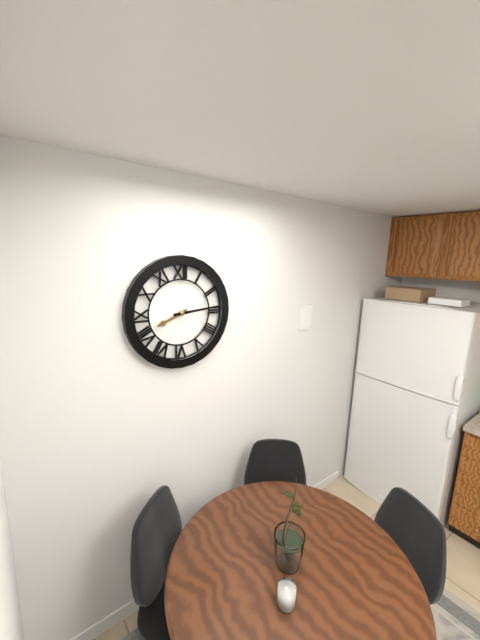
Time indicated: 8:14
